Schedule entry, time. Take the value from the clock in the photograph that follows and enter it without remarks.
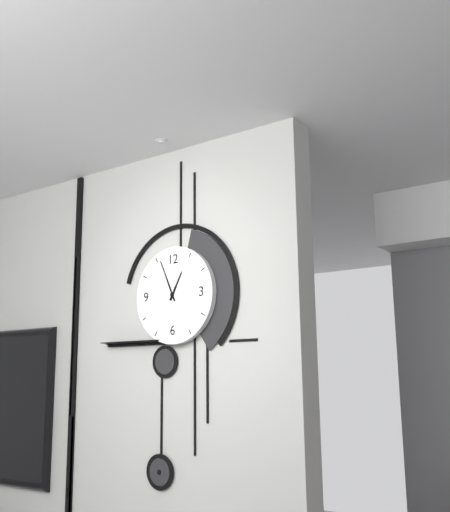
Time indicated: 12:56
